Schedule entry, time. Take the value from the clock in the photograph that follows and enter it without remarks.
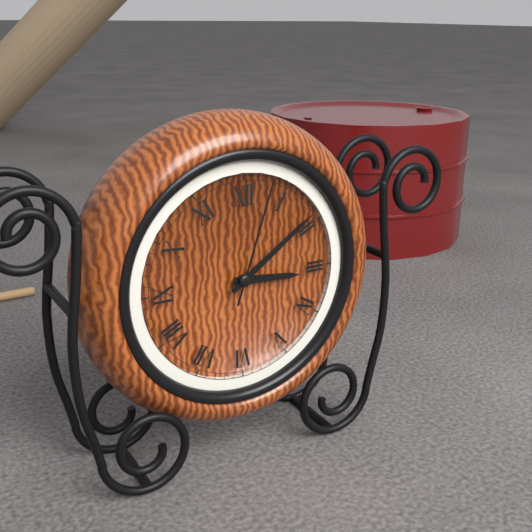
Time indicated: 3:09:03
